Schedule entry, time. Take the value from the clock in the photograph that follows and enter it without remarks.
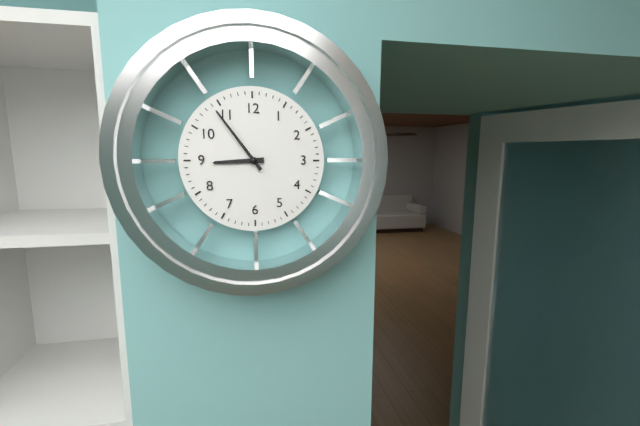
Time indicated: 8:54
